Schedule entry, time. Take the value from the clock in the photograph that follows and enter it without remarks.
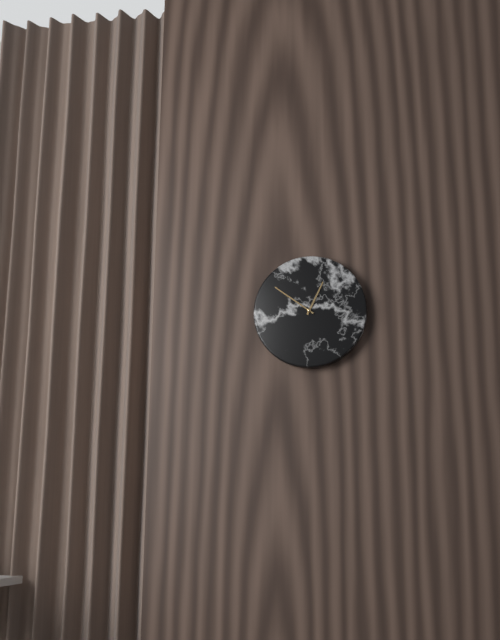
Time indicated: 12:51
